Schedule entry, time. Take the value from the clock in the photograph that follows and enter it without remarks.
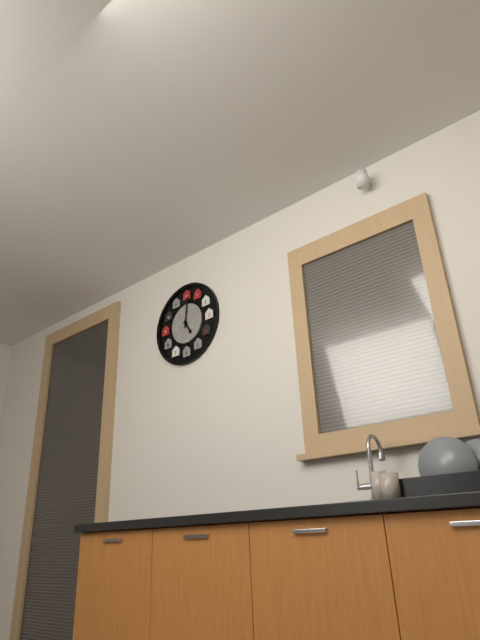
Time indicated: 5:01
